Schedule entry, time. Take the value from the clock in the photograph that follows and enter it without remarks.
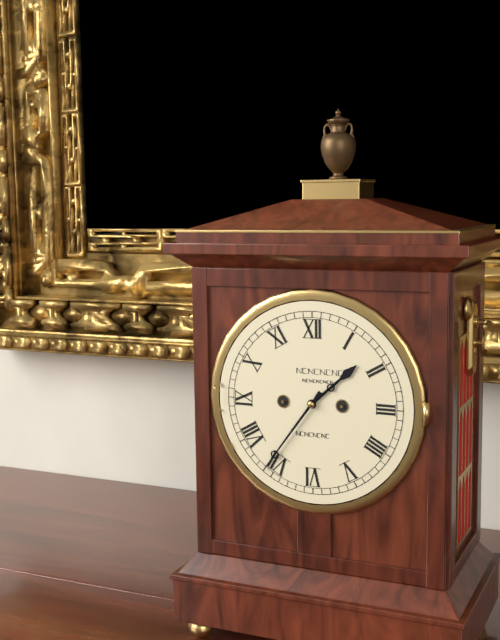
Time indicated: 1:36
